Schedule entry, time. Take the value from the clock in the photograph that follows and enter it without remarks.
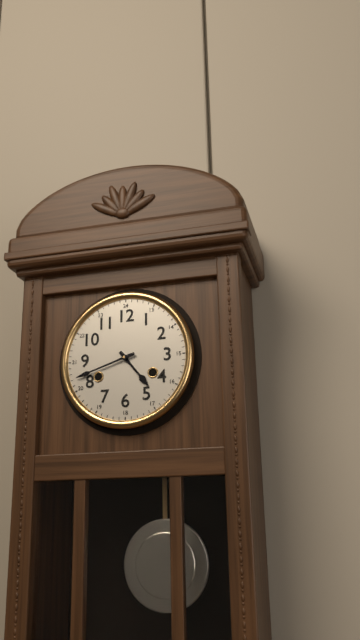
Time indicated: 4:42
